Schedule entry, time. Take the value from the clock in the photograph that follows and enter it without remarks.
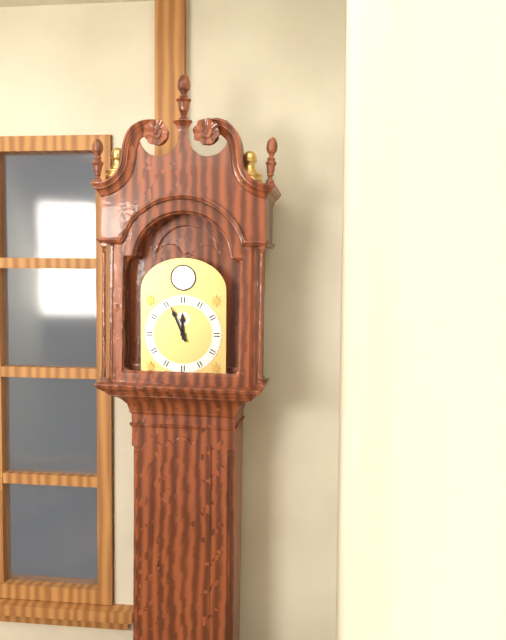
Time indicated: 11:56
